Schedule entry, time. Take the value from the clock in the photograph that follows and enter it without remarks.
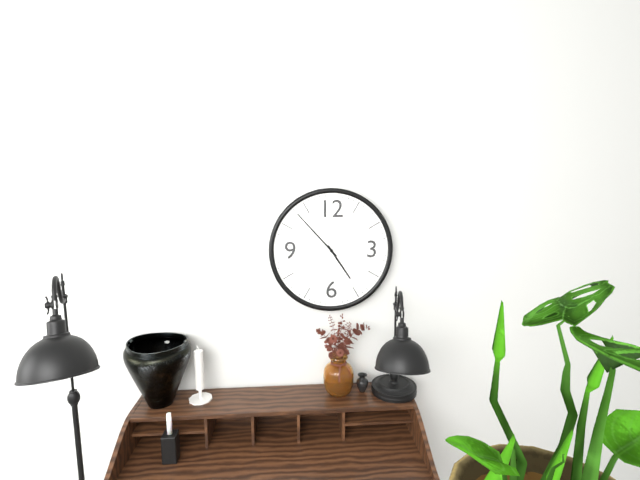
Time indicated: 4:53
